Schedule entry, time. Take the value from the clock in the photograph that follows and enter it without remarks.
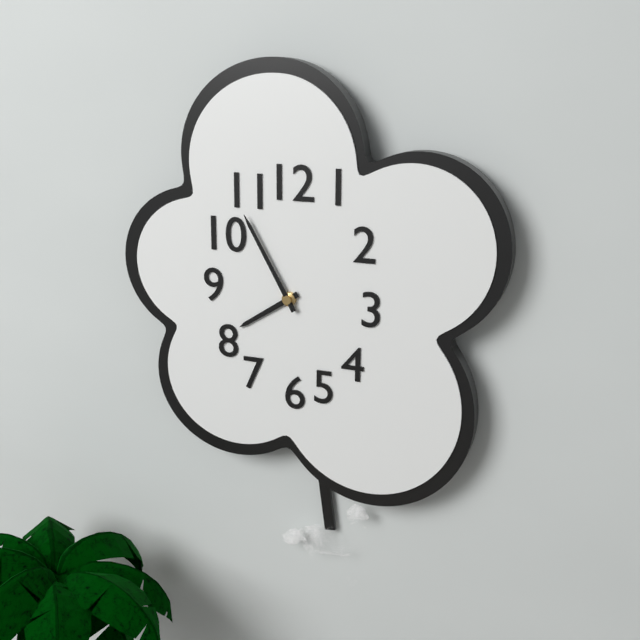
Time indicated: 7:55
